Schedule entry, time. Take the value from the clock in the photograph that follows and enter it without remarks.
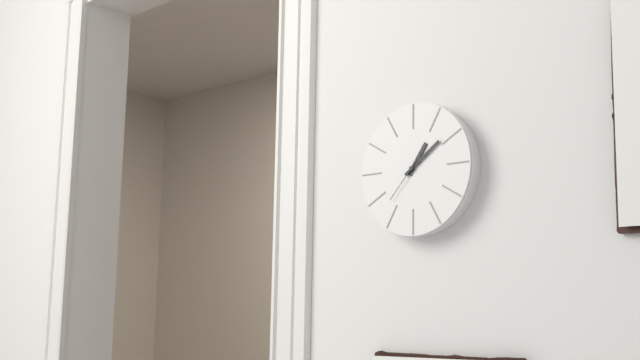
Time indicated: 1:09
